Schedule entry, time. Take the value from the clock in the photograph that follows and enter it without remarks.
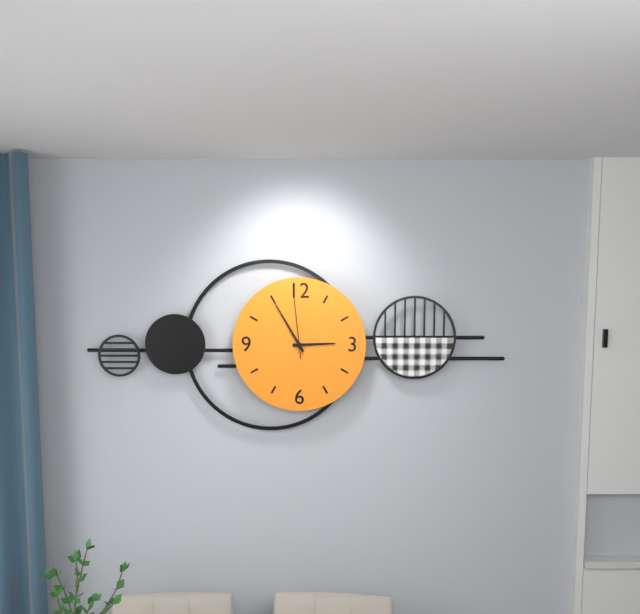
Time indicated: 2:55:59
